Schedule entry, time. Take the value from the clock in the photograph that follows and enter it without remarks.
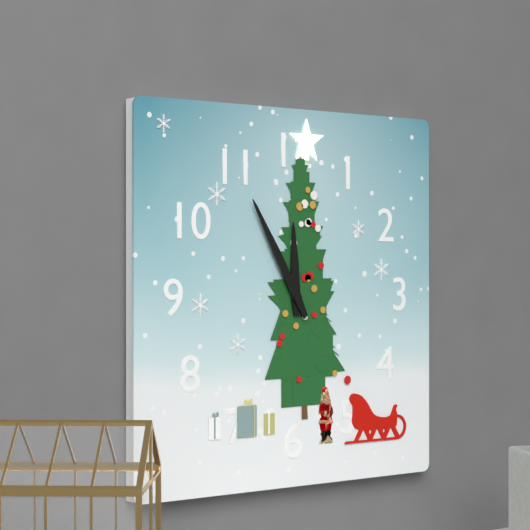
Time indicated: 11:55
